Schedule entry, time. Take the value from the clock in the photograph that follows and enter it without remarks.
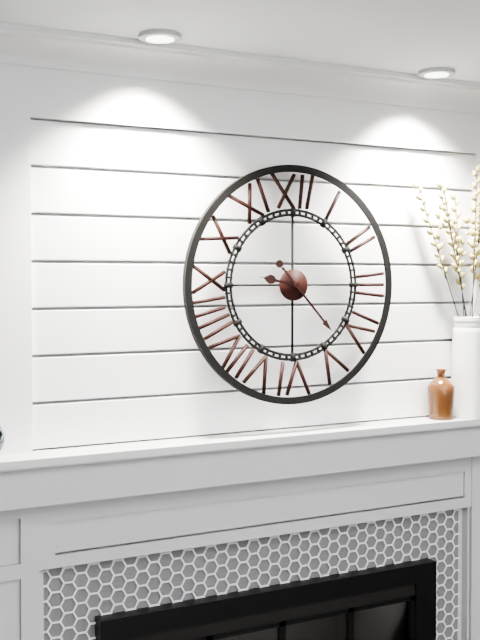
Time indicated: 9:23
